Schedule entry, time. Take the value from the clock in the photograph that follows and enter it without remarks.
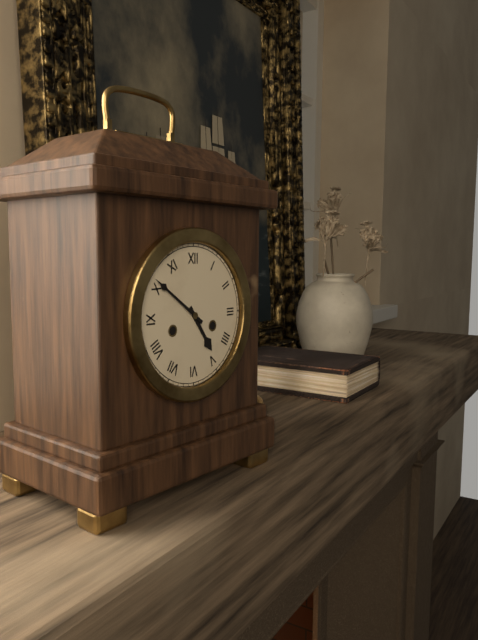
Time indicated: 4:51
